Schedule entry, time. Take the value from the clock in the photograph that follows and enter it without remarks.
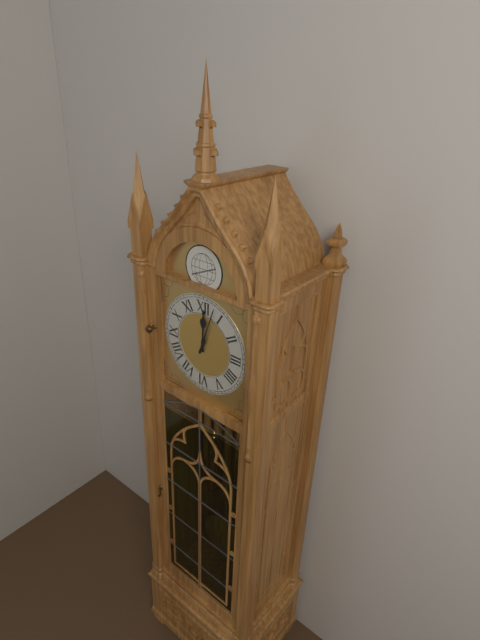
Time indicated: 12:03
